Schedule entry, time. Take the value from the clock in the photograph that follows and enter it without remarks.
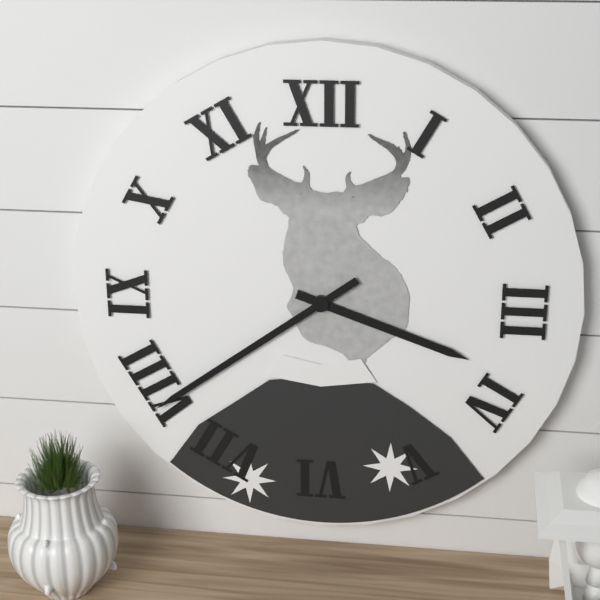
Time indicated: 3:39
